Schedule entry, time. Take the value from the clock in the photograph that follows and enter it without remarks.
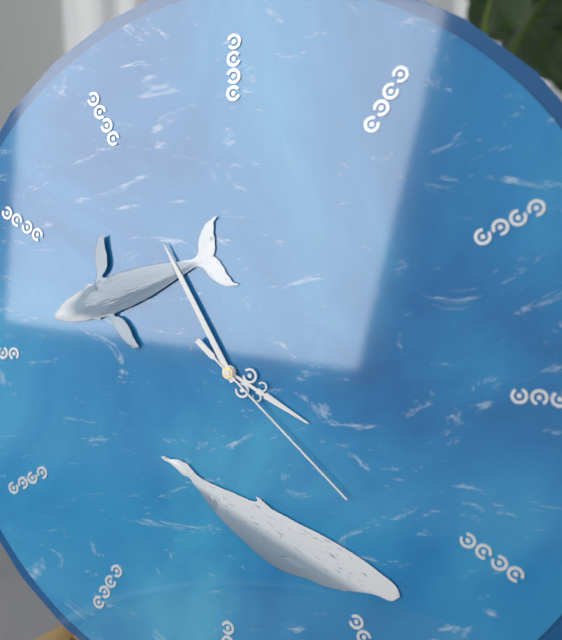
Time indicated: 3:55:22
